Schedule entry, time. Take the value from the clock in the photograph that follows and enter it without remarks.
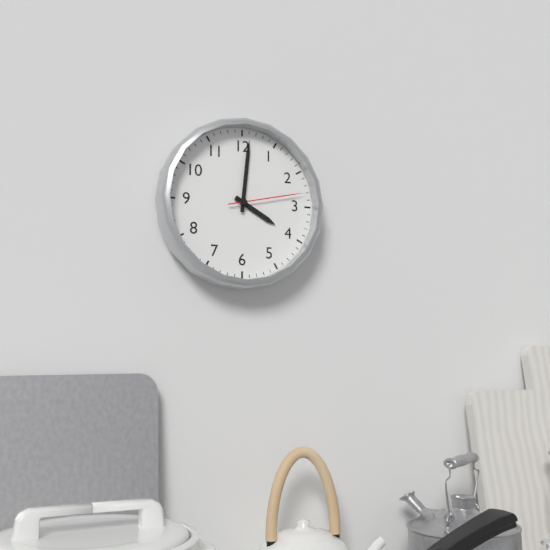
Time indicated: 4:01:13
